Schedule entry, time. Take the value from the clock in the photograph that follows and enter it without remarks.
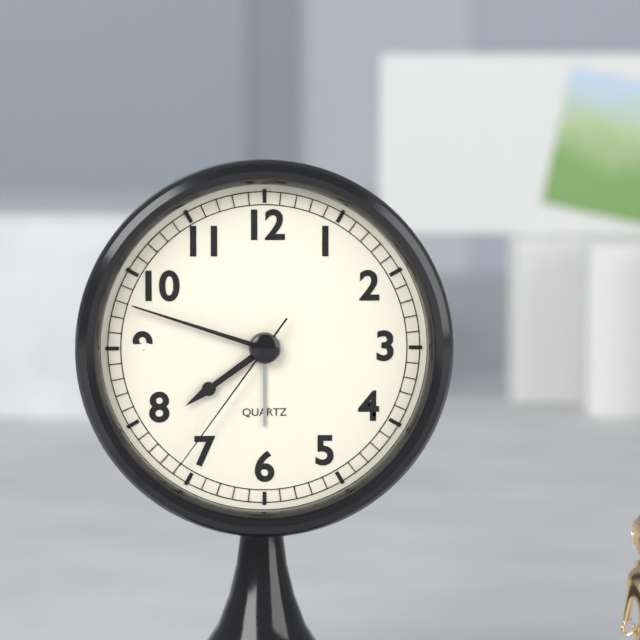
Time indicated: 7:48:36
